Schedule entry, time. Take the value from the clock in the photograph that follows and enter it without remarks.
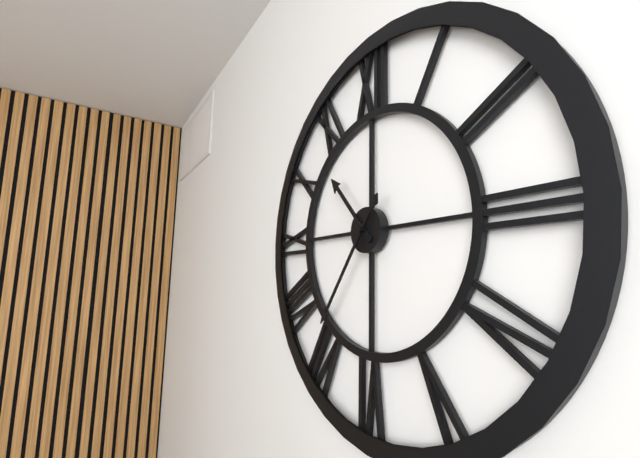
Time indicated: 10:36
